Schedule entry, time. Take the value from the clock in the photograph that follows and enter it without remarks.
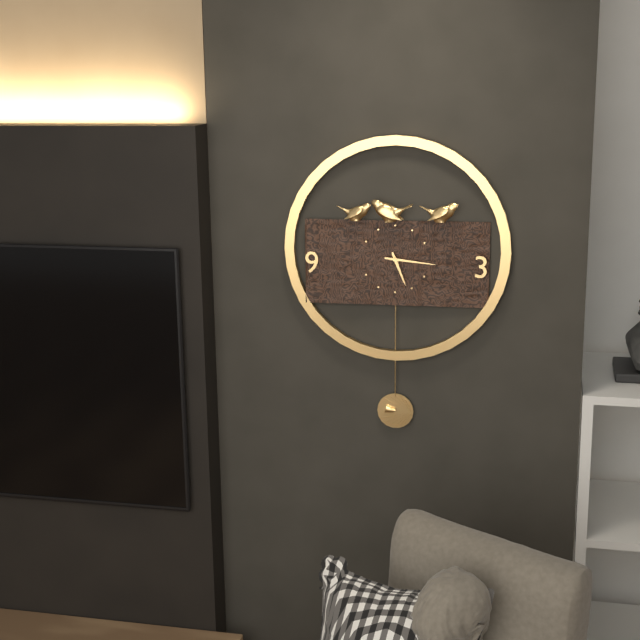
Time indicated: 5:16
